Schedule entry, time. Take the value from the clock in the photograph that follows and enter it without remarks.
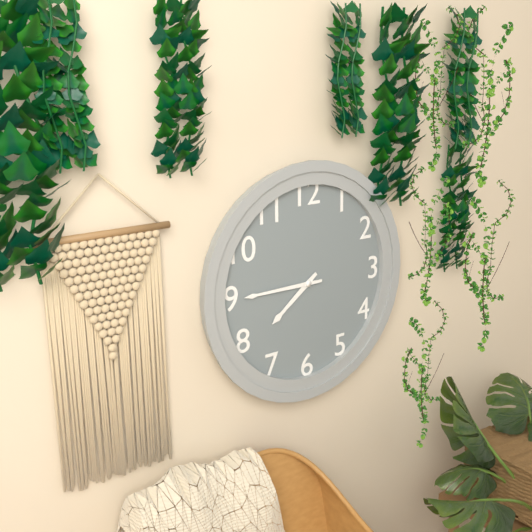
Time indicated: 7:45
